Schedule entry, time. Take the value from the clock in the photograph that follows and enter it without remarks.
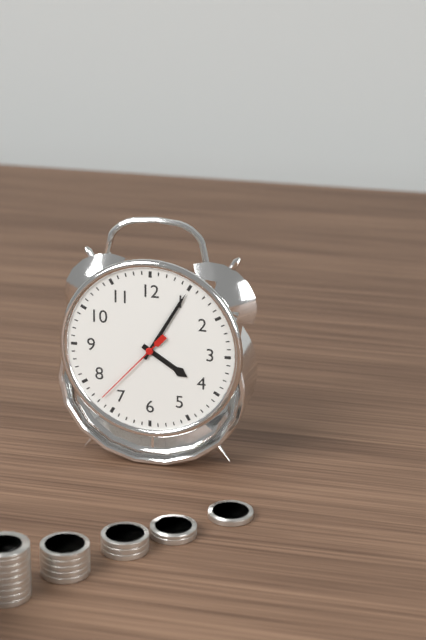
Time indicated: 4:05:37
